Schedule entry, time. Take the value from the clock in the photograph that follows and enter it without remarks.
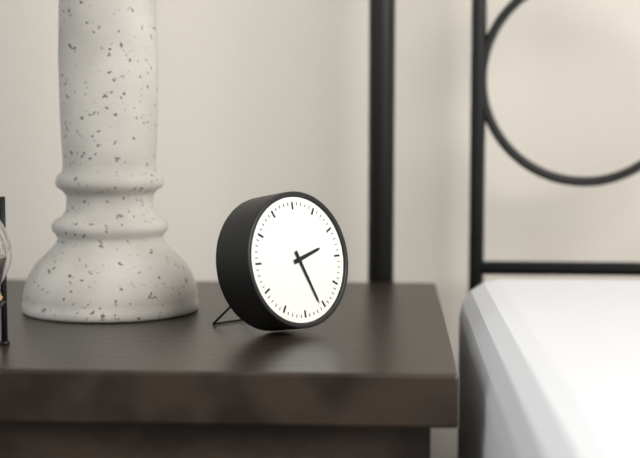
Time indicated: 2:26
